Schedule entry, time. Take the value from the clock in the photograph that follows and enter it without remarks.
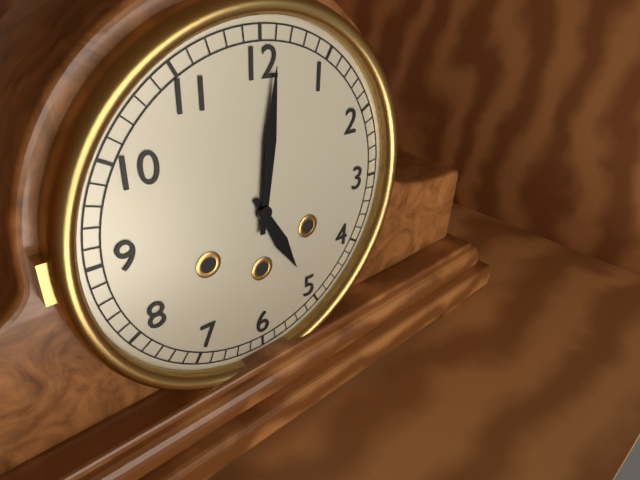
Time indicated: 5:01
